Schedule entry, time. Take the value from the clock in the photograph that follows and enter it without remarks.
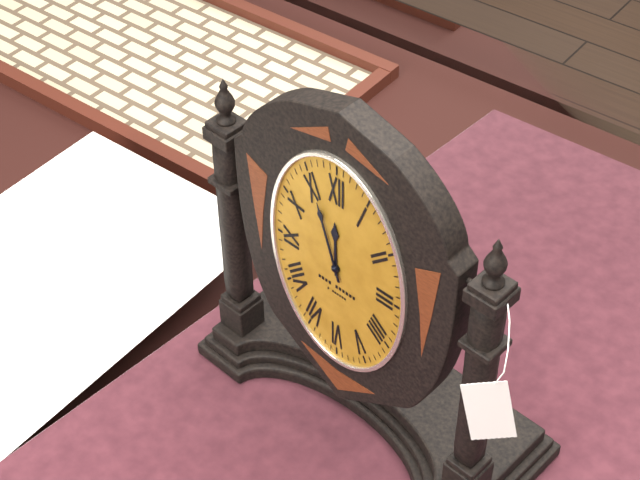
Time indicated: 11:57
